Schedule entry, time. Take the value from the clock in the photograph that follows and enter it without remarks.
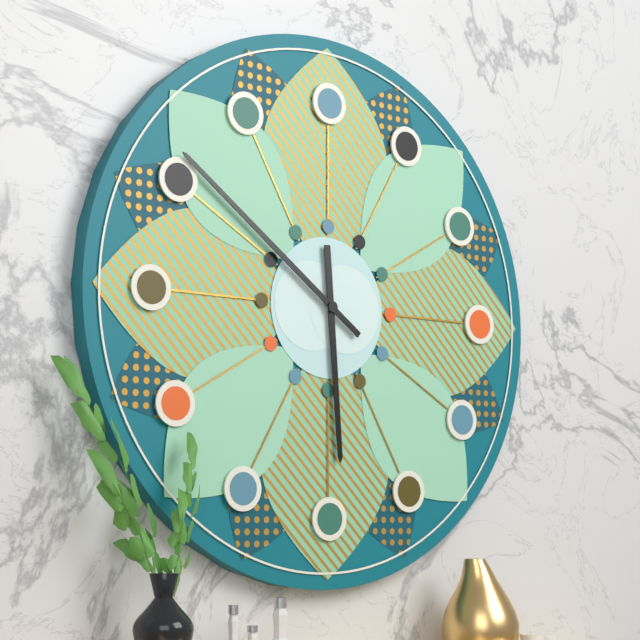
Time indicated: 5:51
